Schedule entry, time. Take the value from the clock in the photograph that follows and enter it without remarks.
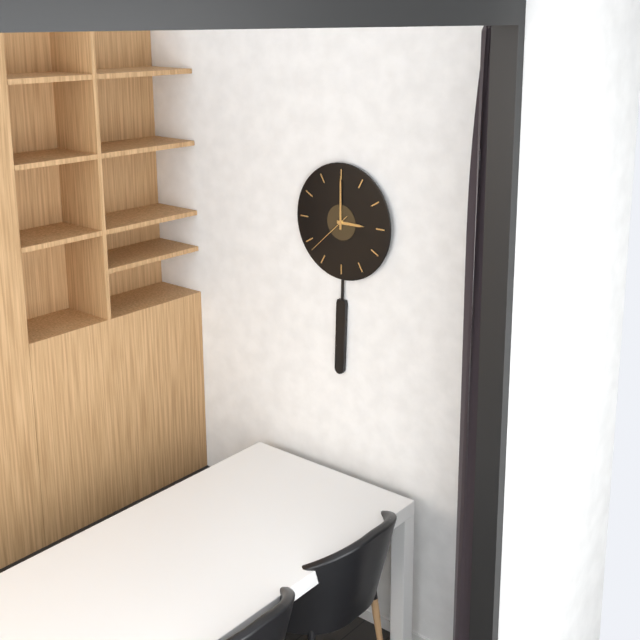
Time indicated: 3:00
